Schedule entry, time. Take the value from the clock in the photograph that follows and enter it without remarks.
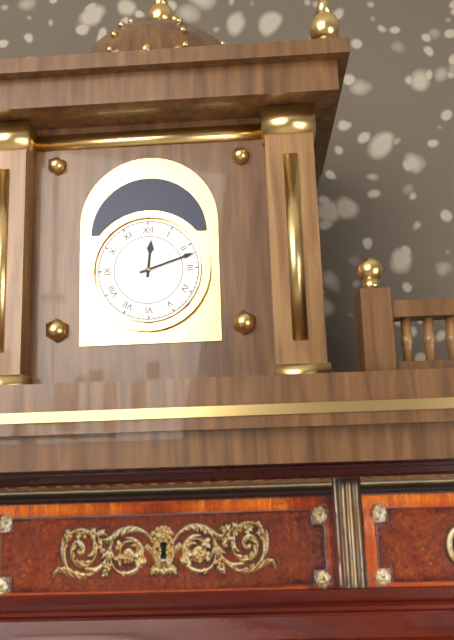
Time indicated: 12:12
